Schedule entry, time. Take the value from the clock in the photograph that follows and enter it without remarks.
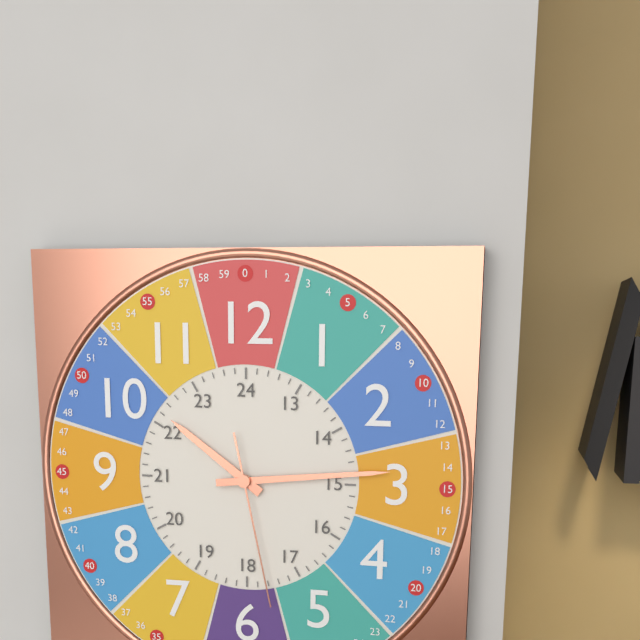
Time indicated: 10:14:28
